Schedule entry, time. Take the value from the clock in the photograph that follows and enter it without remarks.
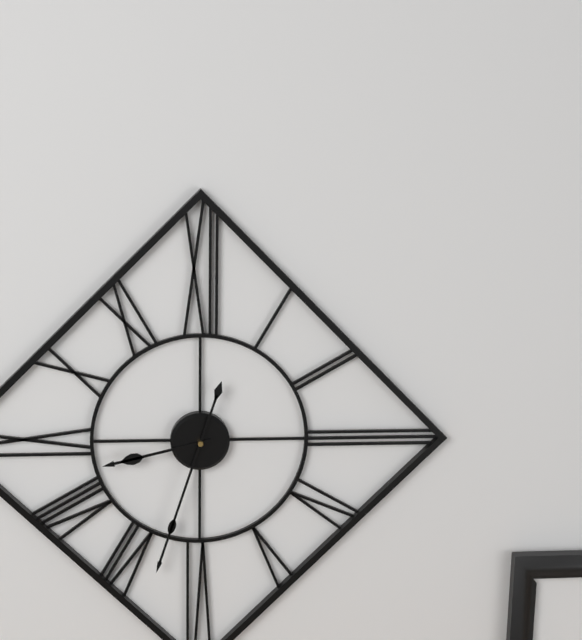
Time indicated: 8:33
